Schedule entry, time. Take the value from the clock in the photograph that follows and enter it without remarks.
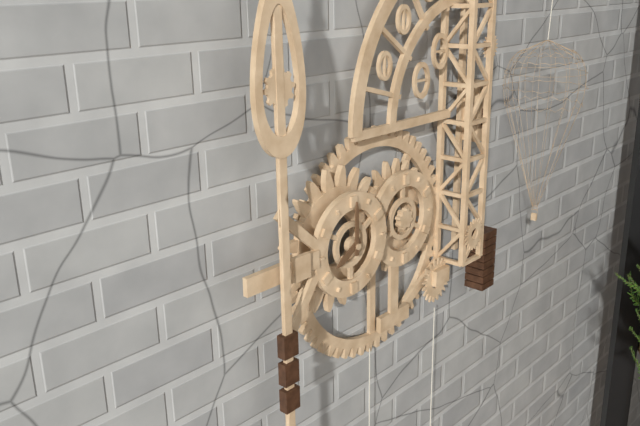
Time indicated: 8:00
